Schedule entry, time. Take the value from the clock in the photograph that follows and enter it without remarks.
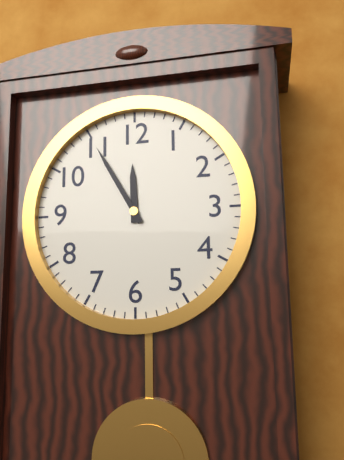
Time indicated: 11:55
